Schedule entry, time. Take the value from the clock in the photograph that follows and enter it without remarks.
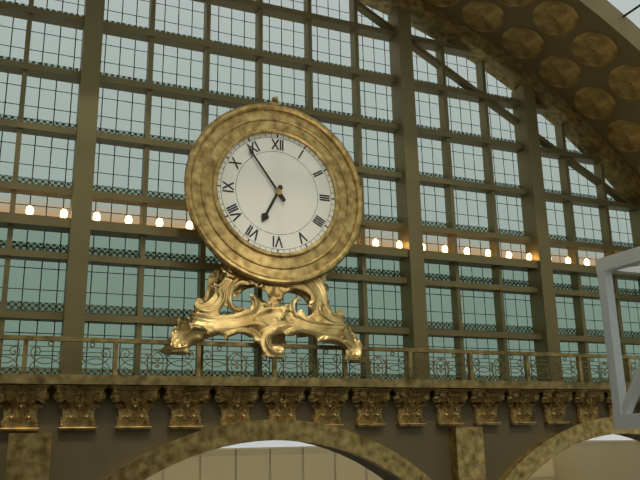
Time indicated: 6:54
